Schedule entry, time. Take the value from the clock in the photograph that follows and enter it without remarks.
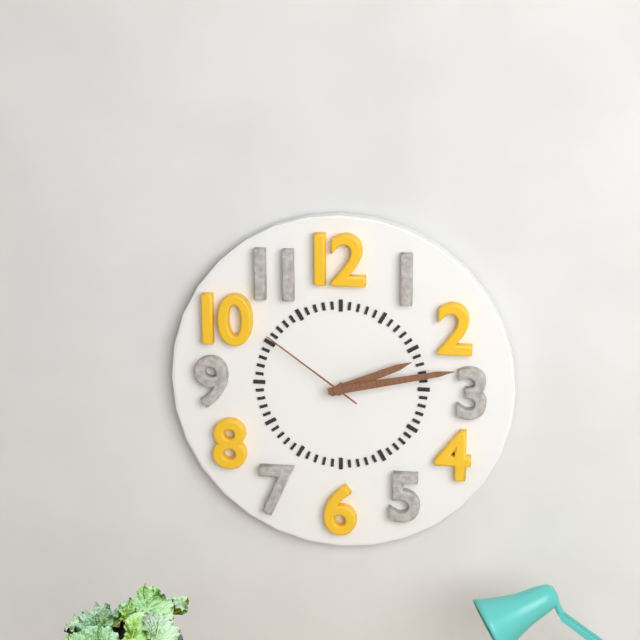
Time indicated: 2:13:51
